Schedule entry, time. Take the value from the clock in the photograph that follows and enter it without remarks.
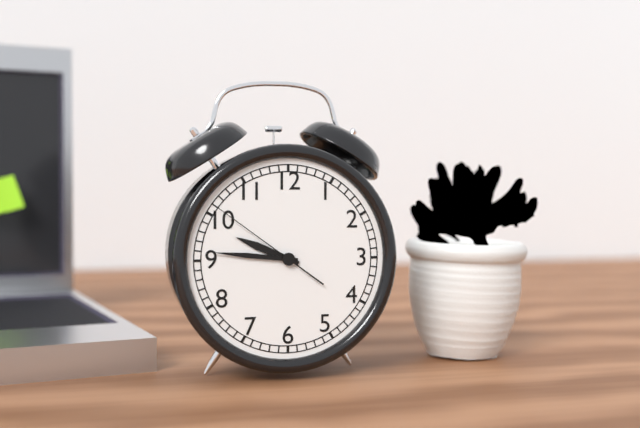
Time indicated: 9:46:51
